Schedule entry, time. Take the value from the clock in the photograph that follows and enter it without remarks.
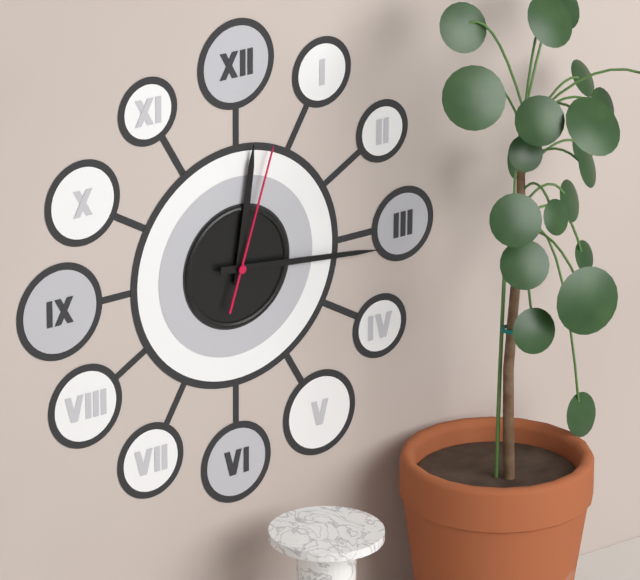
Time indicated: 12:16:03
